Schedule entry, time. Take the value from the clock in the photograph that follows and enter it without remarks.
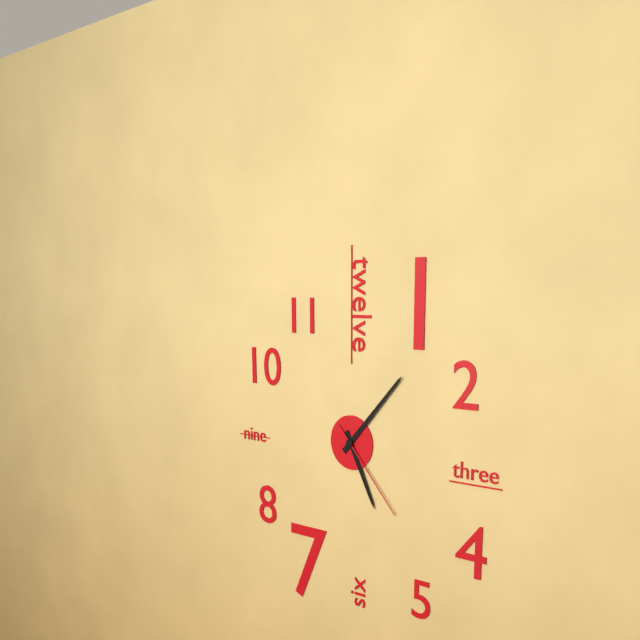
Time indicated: 5:07:23
